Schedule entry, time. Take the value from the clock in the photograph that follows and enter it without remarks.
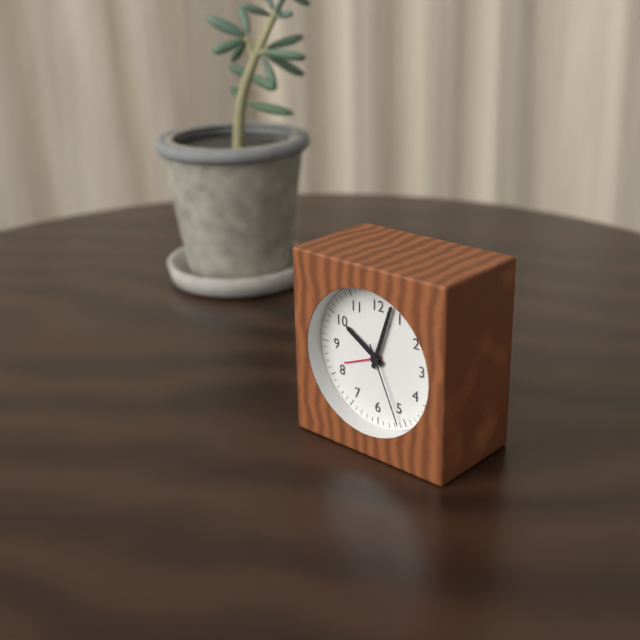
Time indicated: 10:03:26
